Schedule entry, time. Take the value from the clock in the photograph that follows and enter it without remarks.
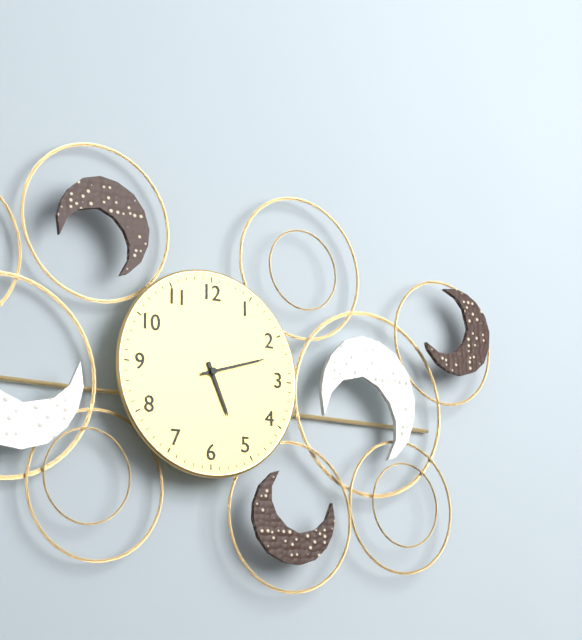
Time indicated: 5:12
